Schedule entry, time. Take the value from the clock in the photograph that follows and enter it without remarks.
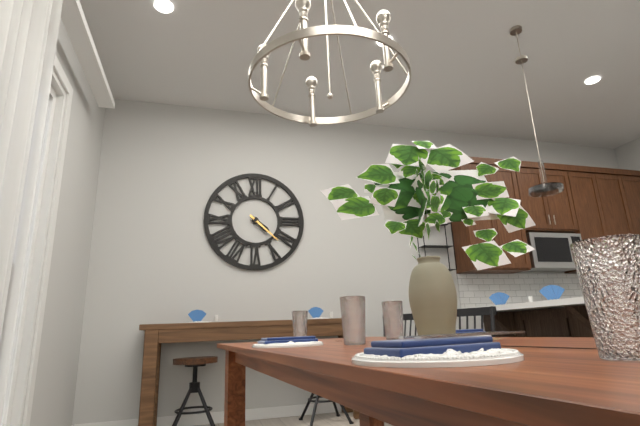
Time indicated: 4:22
